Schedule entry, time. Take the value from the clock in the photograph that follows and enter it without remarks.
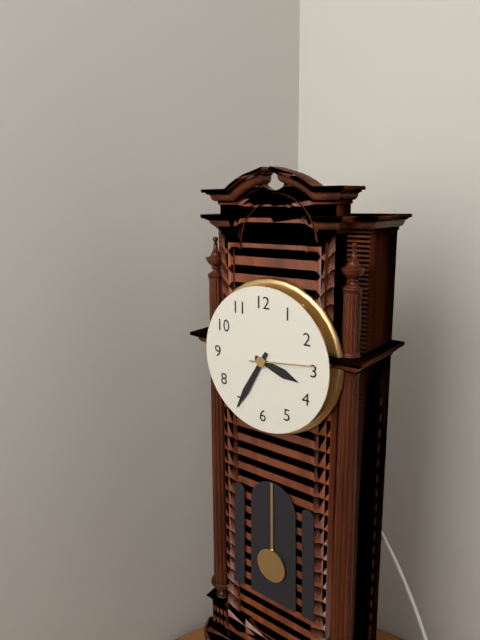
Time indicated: 3:35:14
